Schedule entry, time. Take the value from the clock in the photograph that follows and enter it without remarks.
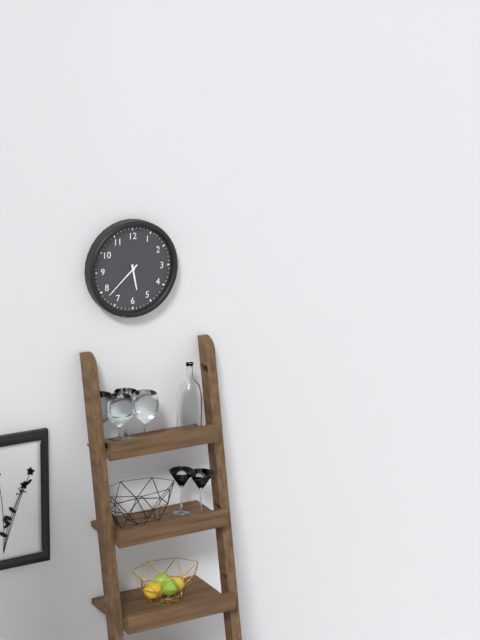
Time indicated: 5:38
